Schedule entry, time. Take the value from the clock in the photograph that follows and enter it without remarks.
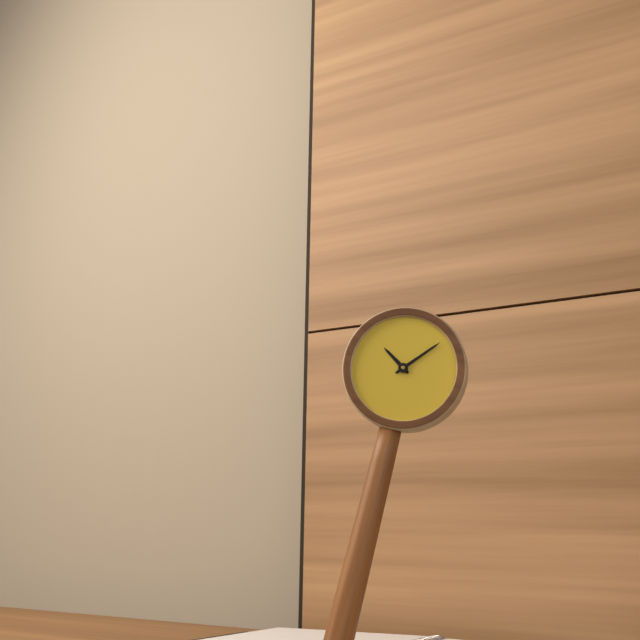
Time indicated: 10:07
